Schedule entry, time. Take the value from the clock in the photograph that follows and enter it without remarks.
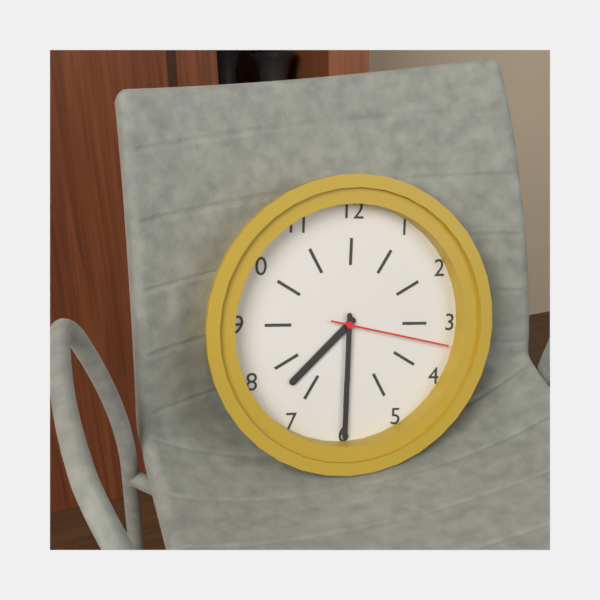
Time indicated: 7:30:17
